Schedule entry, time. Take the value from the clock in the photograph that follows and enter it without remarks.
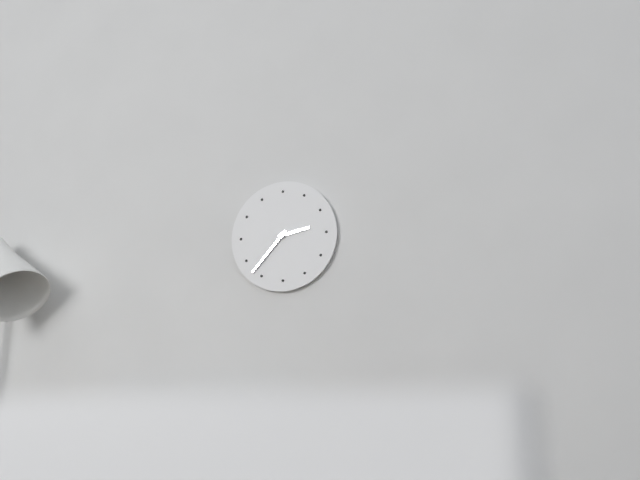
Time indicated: 2:37
